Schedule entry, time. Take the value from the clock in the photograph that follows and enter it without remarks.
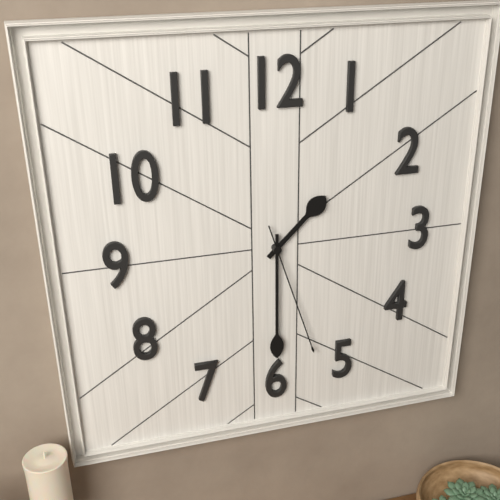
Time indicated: 1:30:27
